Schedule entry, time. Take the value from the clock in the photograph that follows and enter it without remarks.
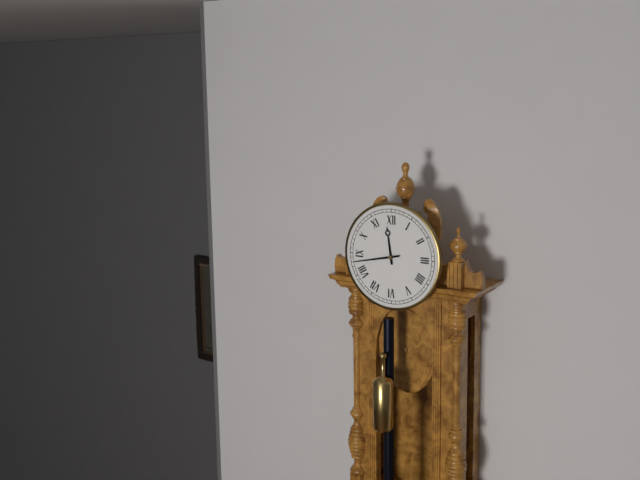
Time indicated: 11:43
